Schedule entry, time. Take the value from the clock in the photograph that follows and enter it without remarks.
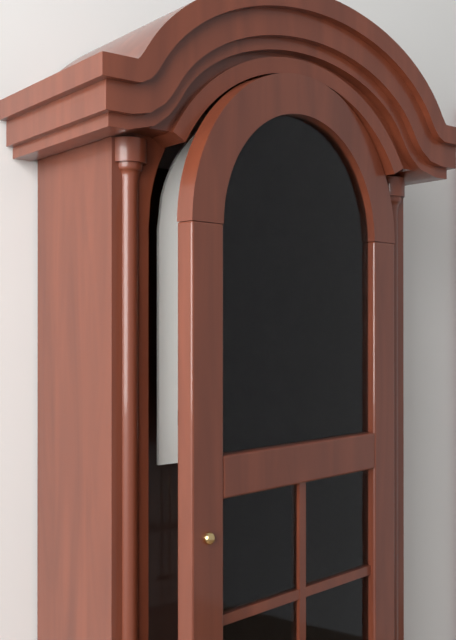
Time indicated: 11:37
